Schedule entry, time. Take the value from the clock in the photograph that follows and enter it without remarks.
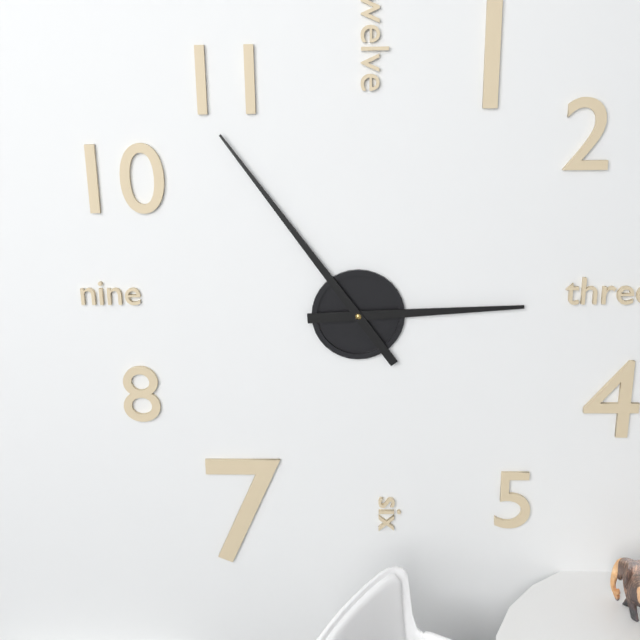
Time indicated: 2:54
